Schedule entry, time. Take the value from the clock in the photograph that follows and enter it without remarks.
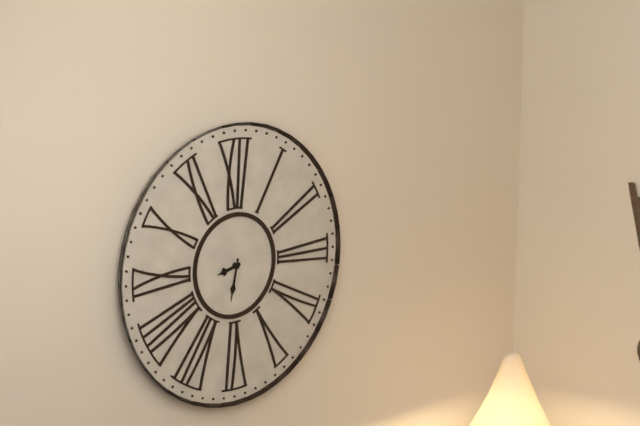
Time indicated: 8:32
